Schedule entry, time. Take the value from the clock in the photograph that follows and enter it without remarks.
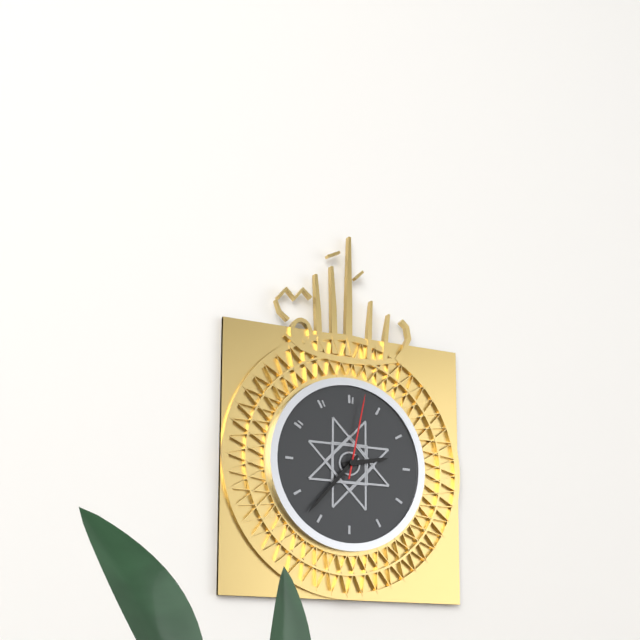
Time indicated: 2:37:02
